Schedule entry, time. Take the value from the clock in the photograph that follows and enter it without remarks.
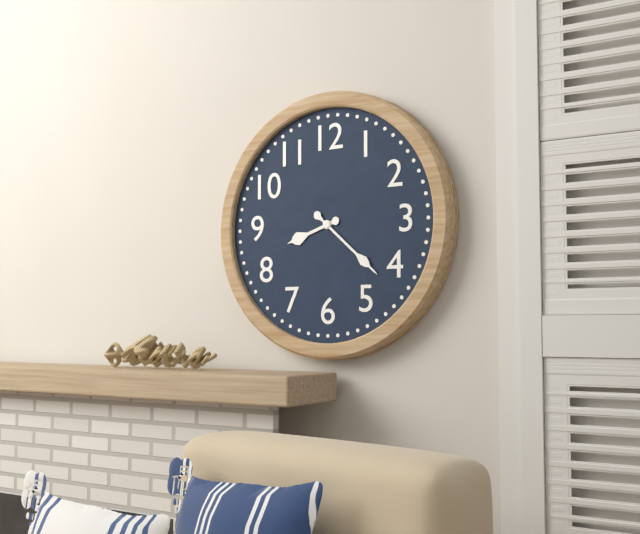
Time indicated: 8:22
